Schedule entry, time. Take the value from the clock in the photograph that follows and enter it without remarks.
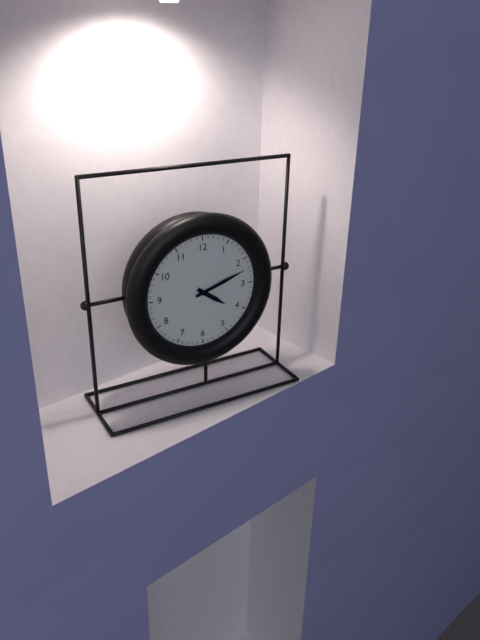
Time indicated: 4:12
